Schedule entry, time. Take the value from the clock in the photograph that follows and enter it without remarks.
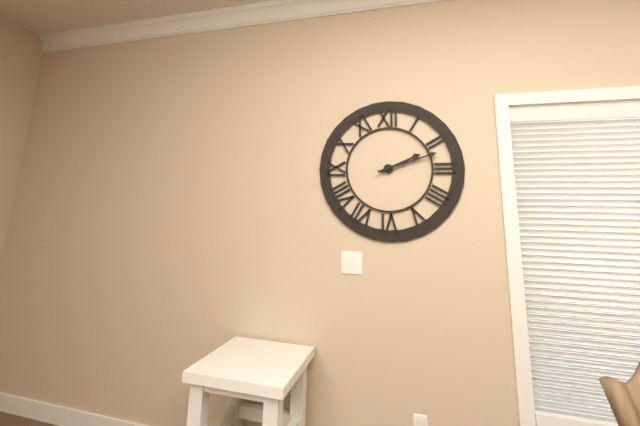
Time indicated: 2:12
